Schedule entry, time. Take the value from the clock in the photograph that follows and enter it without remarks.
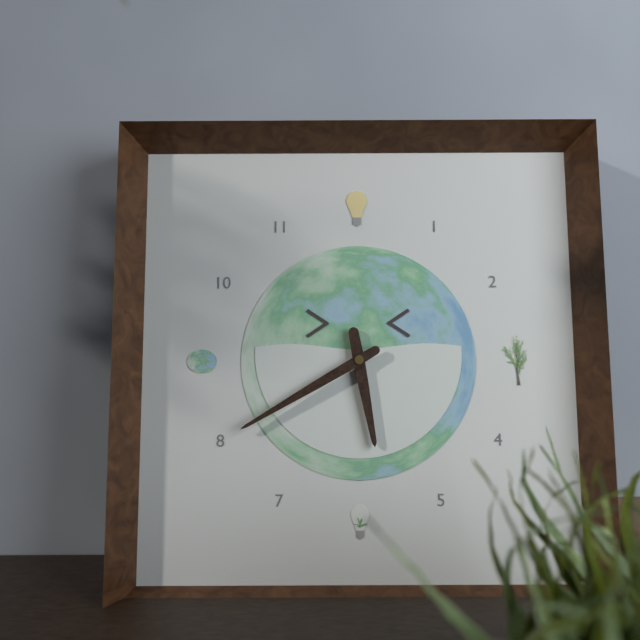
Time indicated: 5:40
